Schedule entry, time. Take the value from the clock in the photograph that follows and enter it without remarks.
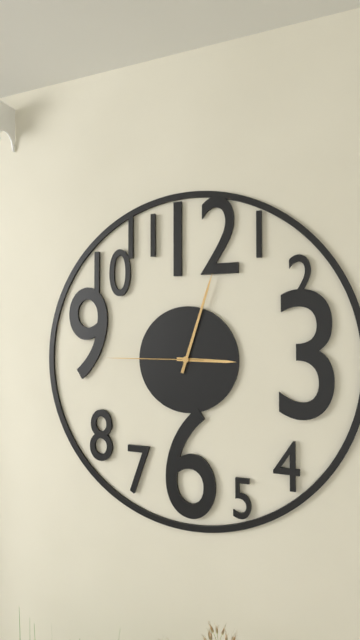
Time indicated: 3:03:45
